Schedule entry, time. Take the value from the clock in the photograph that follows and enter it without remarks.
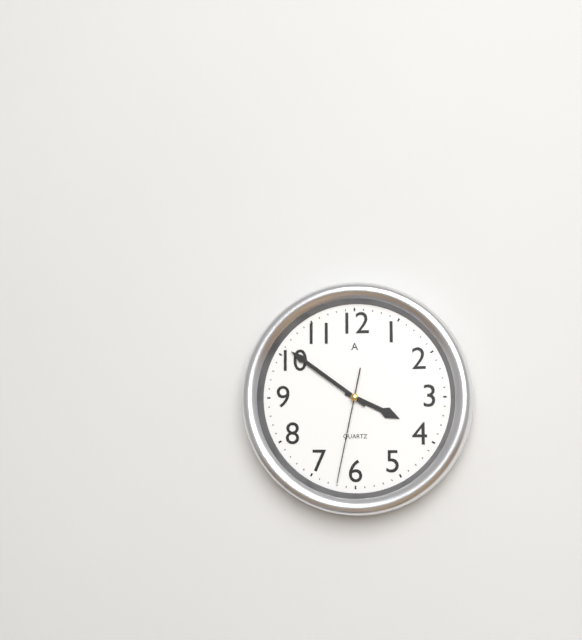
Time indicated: 3:51:32
